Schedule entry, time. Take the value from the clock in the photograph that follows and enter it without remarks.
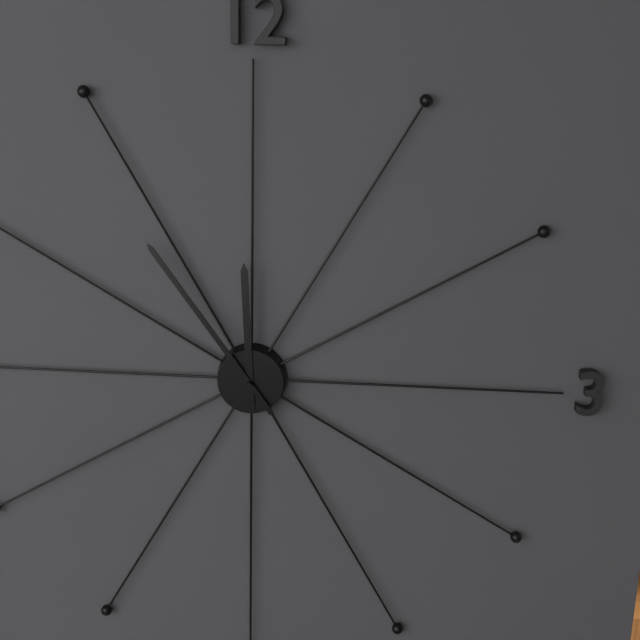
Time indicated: 11:54
